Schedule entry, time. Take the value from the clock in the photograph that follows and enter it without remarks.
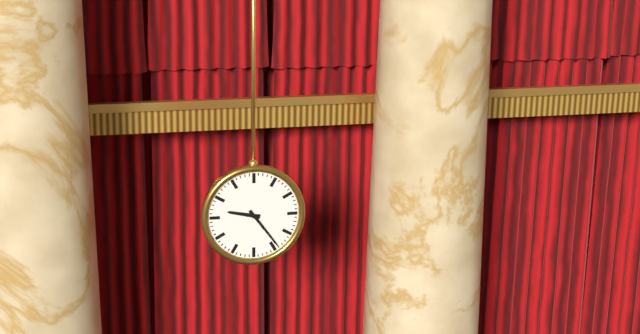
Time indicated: 9:24
